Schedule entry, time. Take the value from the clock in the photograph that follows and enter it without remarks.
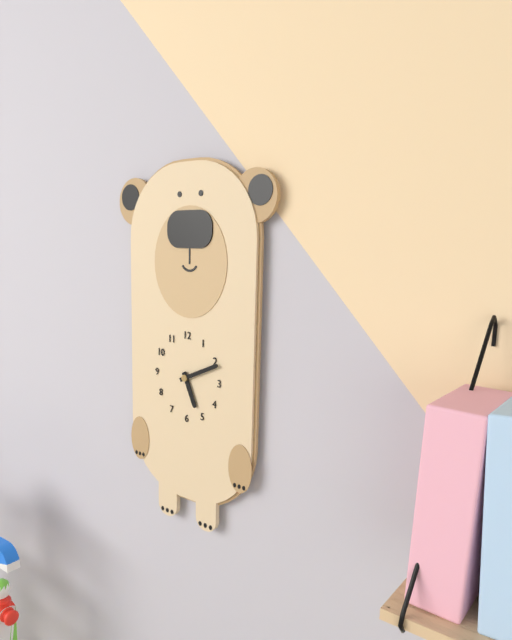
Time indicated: 5:11
